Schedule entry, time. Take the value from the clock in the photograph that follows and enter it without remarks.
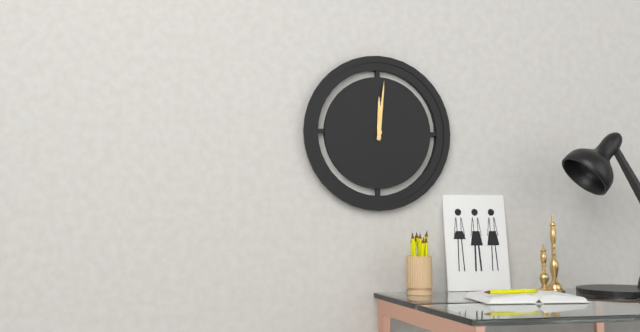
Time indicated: 12:01
